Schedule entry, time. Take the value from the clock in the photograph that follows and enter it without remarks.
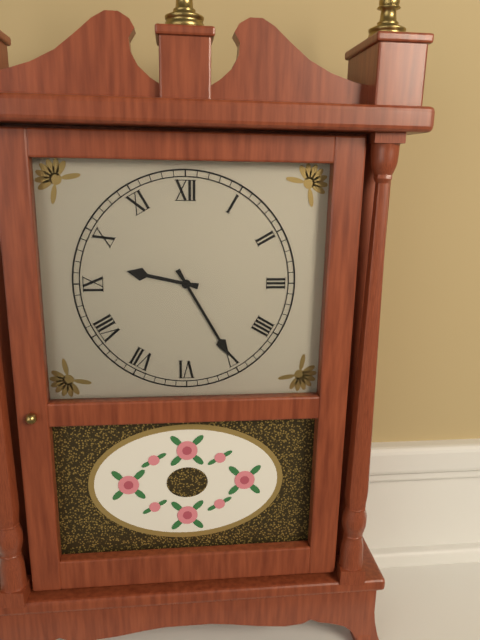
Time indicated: 9:25
